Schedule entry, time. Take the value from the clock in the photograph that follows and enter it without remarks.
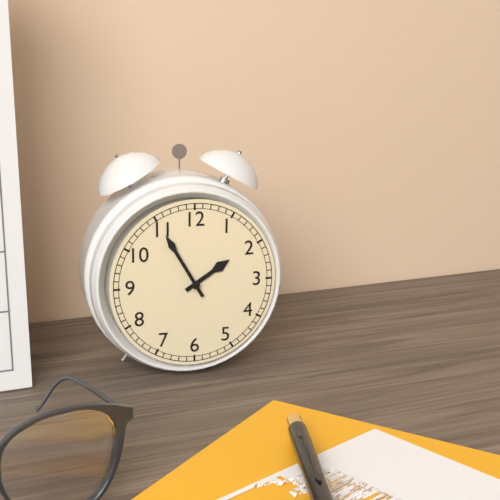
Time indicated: 1:55
